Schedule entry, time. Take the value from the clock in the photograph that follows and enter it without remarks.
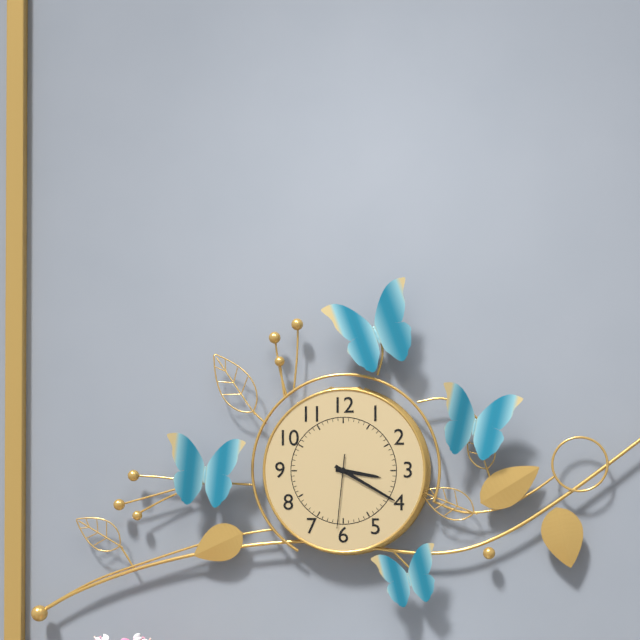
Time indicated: 3:20:31
